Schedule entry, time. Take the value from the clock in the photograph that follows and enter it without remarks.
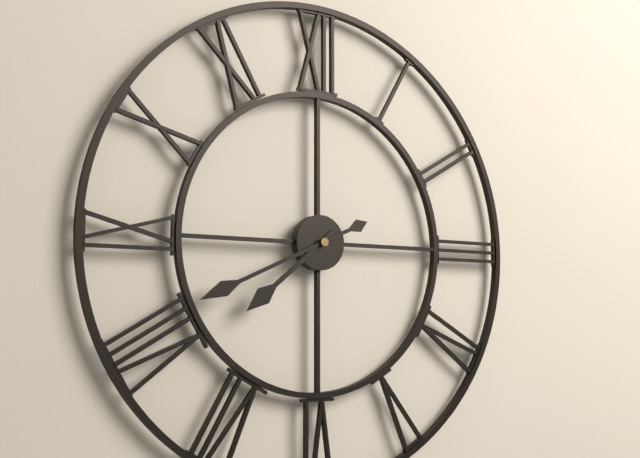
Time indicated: 7:41
